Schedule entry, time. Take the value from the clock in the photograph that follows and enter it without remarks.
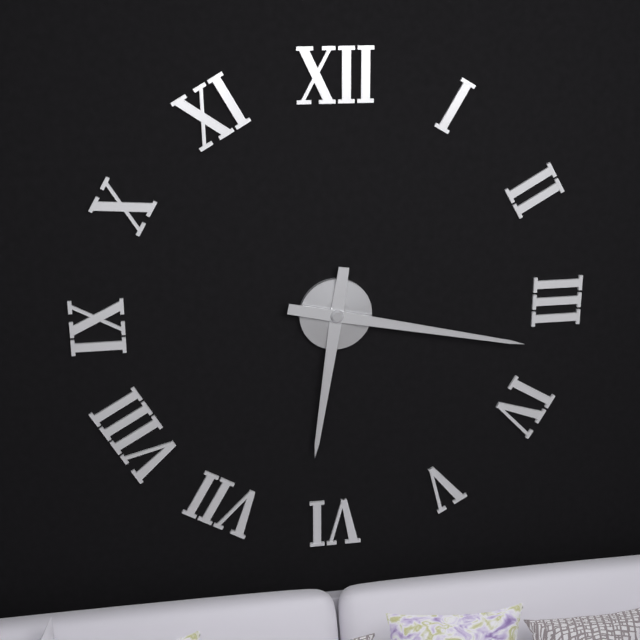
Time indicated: 6:17
